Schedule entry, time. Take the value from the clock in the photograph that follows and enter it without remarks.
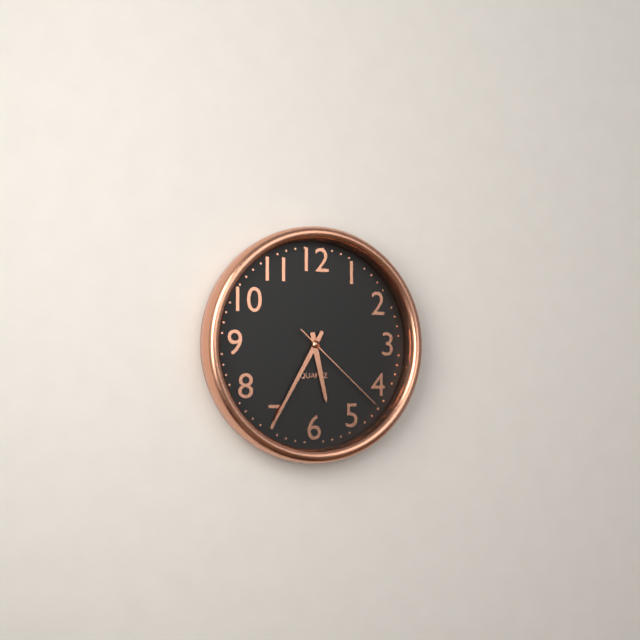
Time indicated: 5:35:22
